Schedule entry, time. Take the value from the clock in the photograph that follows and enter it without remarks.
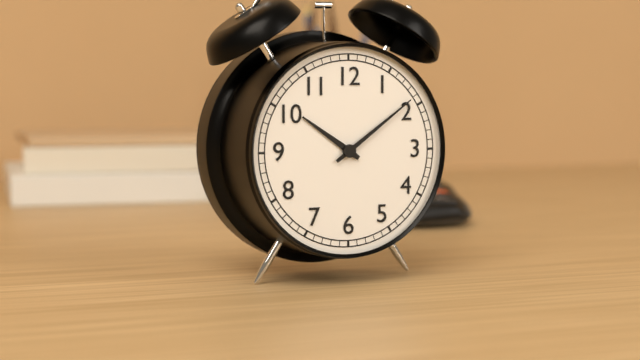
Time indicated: 10:09
